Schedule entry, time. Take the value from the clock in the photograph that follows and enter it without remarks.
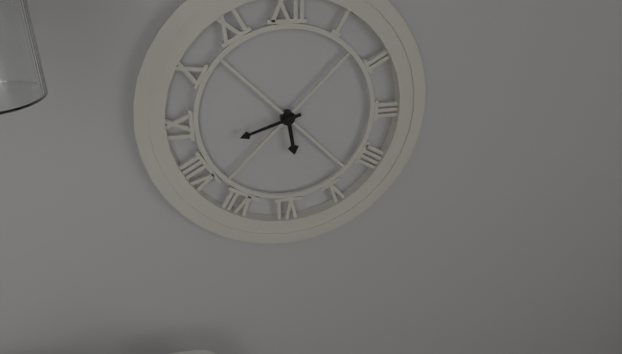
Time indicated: 5:42
